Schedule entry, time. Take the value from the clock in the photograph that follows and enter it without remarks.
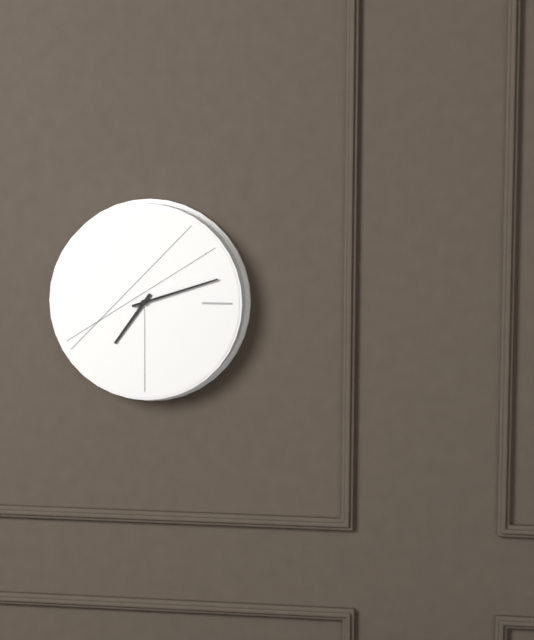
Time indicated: 7:12
